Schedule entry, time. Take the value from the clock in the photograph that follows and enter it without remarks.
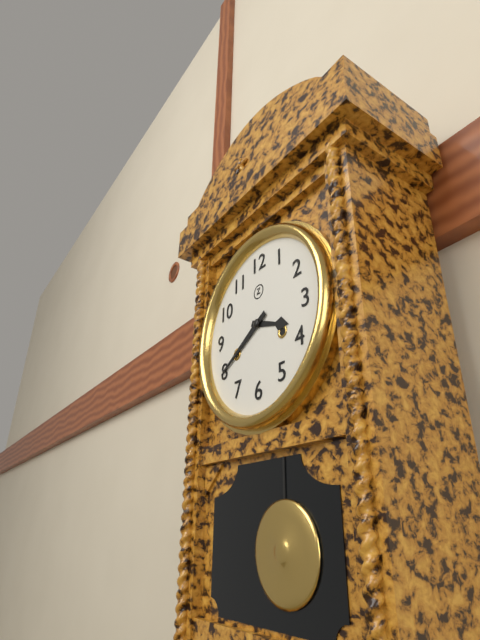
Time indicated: 3:40
